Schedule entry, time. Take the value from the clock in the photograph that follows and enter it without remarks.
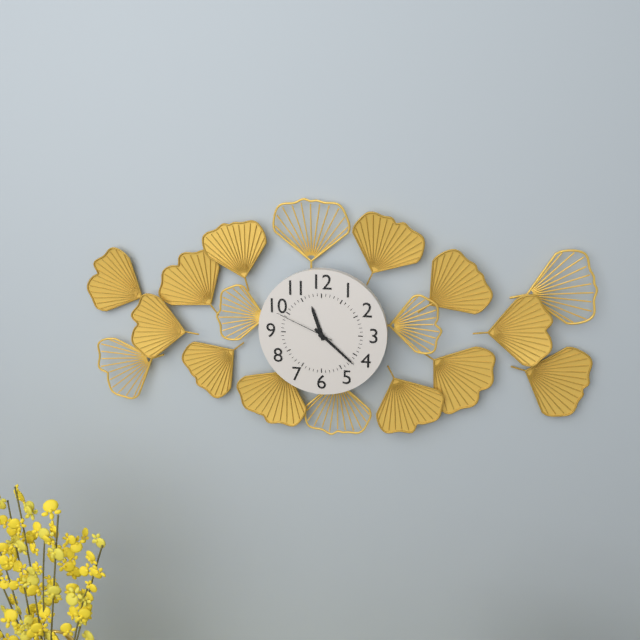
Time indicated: 11:22:49
